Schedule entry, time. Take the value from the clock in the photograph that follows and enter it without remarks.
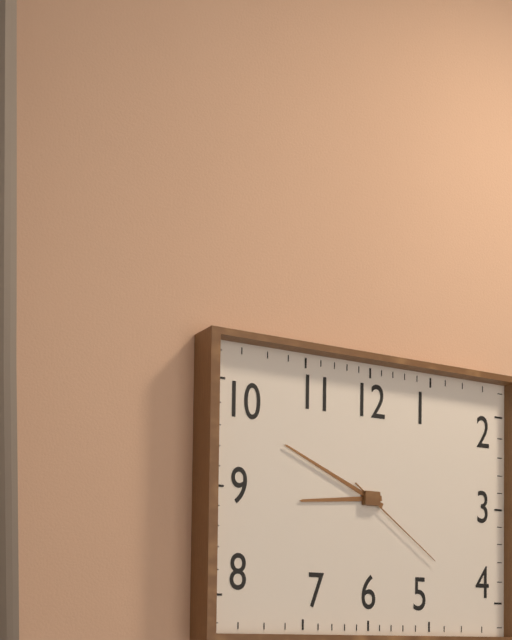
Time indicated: 8:49:21
